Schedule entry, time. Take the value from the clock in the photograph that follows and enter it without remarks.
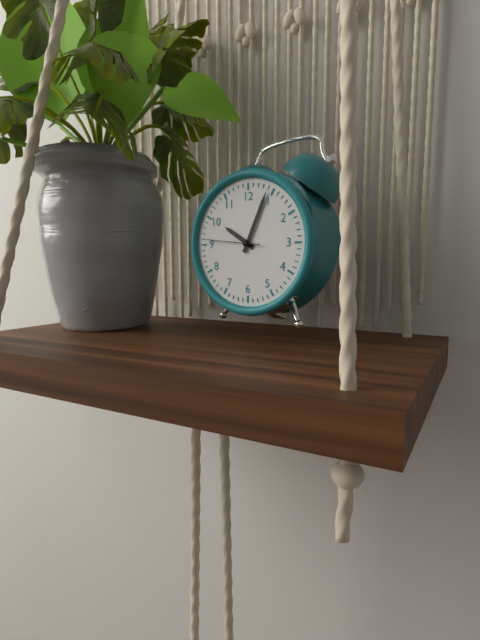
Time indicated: 10:04:46
